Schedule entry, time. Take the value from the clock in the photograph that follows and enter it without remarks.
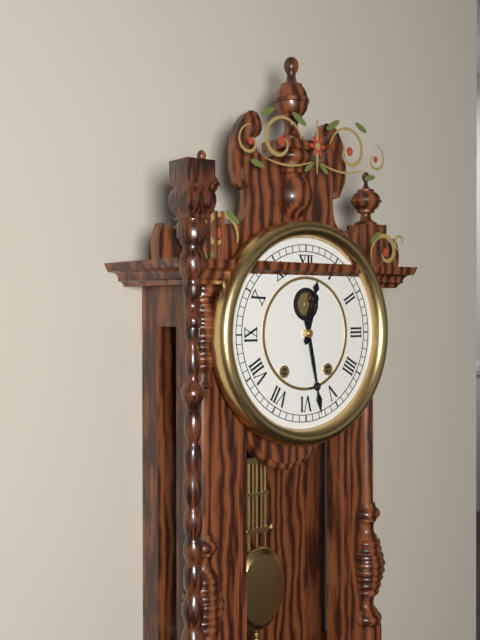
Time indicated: 12:28
